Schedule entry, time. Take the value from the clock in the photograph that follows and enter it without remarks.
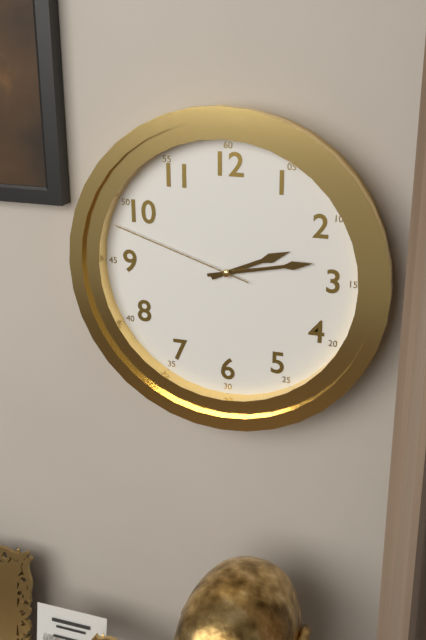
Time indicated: 2:13:48
